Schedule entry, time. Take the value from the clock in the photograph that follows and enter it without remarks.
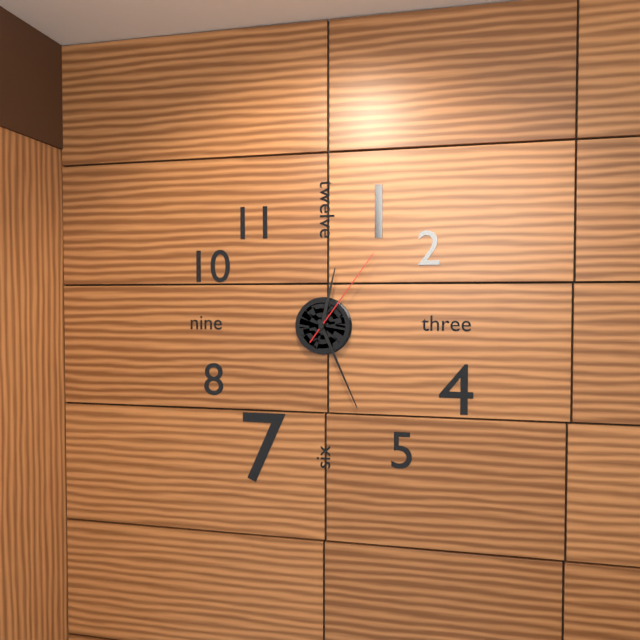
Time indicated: 12:26:06
